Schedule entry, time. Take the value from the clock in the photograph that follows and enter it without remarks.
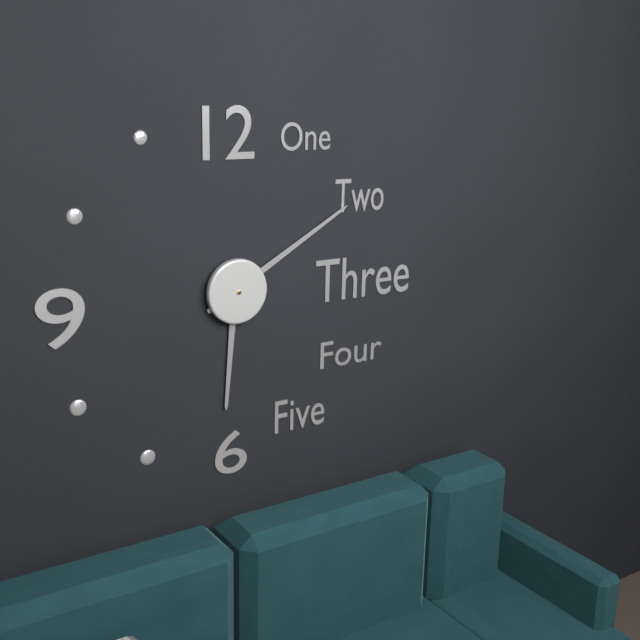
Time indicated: 6:10
